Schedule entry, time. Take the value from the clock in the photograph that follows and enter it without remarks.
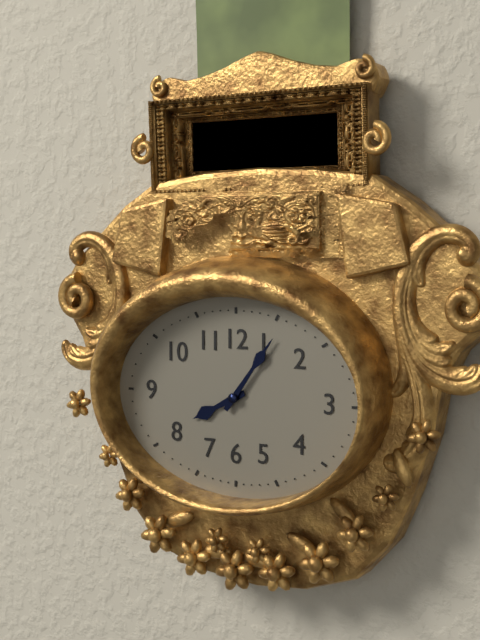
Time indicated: 8:06
